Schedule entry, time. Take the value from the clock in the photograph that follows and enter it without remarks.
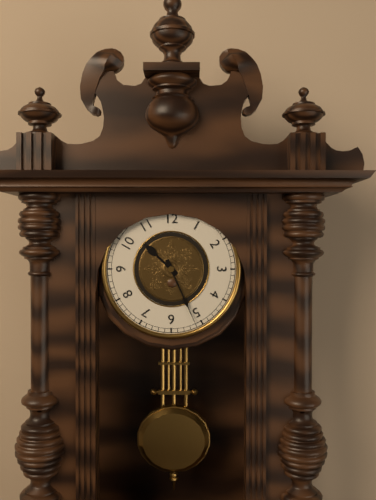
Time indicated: 10:26
